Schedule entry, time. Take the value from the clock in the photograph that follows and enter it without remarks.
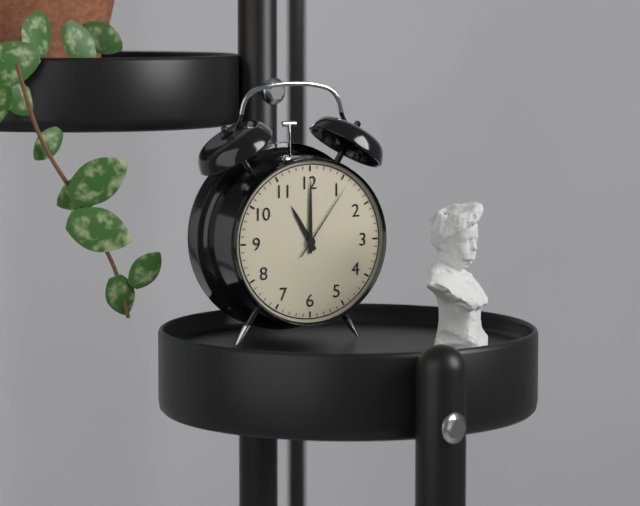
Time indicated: 11:00:06
